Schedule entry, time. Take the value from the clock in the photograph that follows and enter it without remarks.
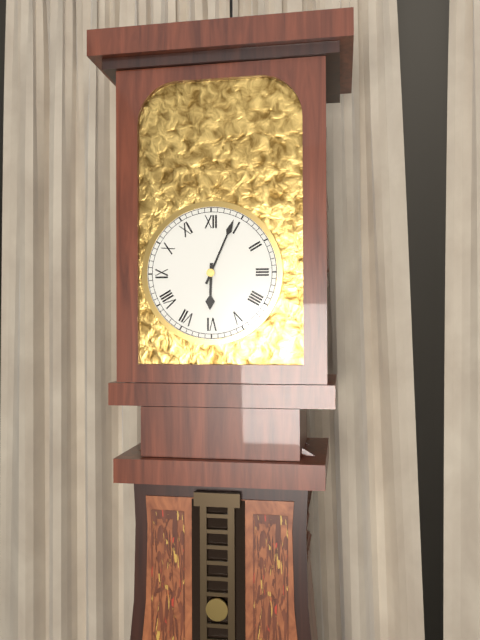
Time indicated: 6:04
